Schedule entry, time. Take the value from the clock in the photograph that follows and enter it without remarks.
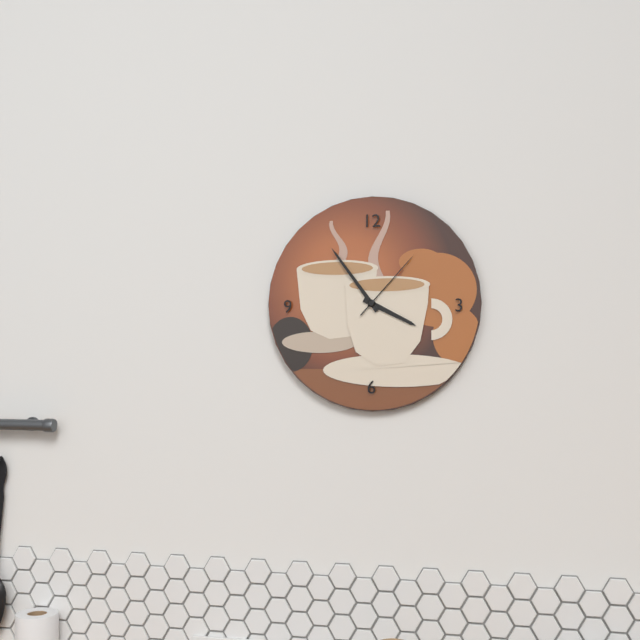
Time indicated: 3:54:07
